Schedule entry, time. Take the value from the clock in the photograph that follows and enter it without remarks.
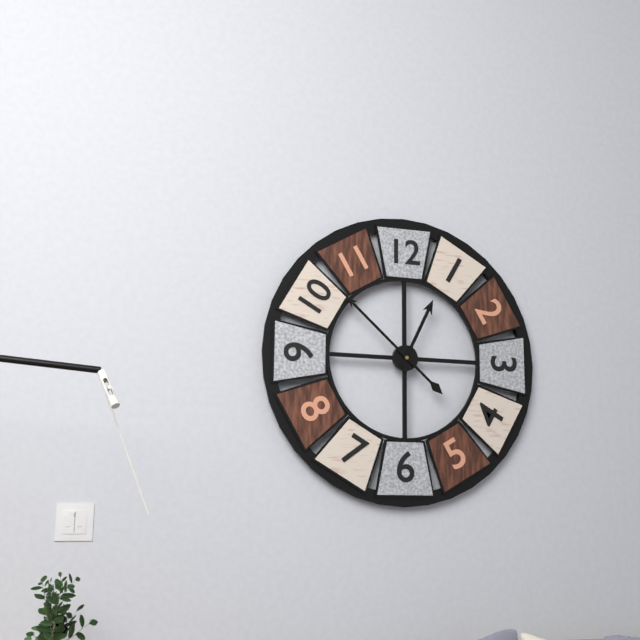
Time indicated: 12:52
